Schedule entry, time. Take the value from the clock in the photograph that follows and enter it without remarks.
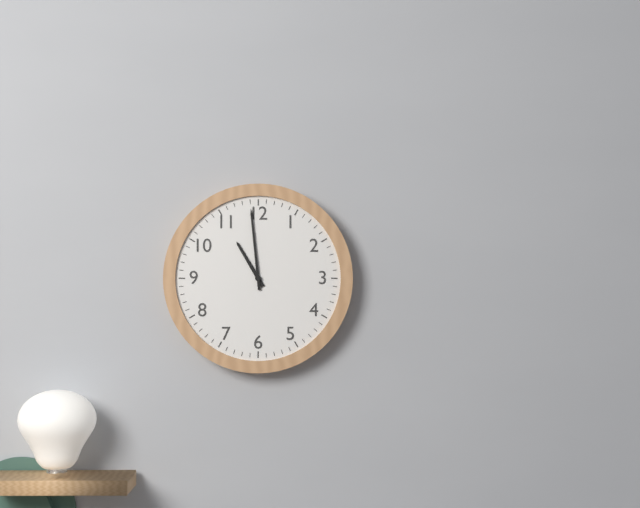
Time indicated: 10:59
